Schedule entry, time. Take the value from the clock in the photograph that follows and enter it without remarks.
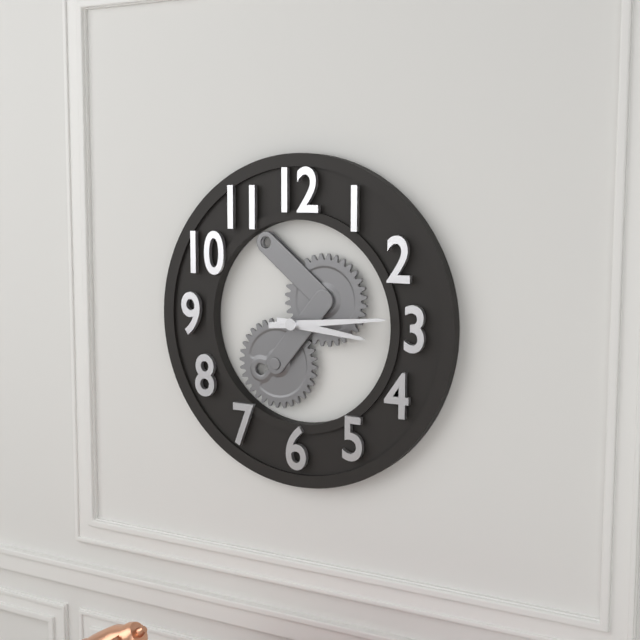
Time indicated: 3:14
